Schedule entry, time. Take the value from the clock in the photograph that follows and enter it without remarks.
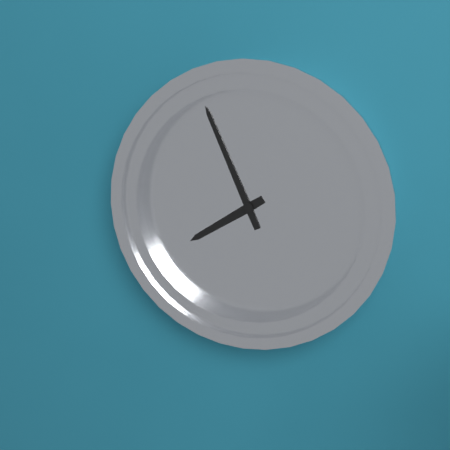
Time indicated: 7:56
